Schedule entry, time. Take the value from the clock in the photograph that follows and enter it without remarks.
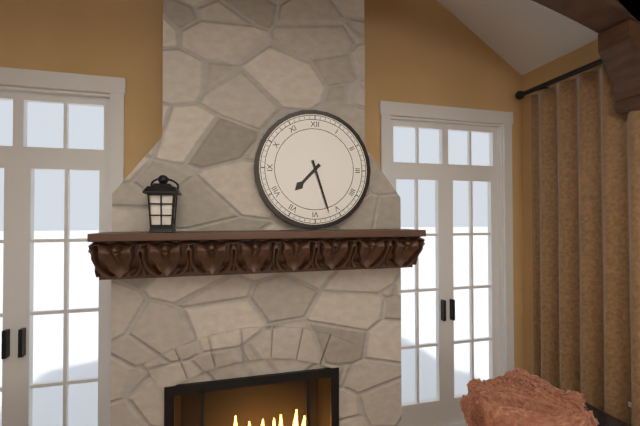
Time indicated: 7:27
